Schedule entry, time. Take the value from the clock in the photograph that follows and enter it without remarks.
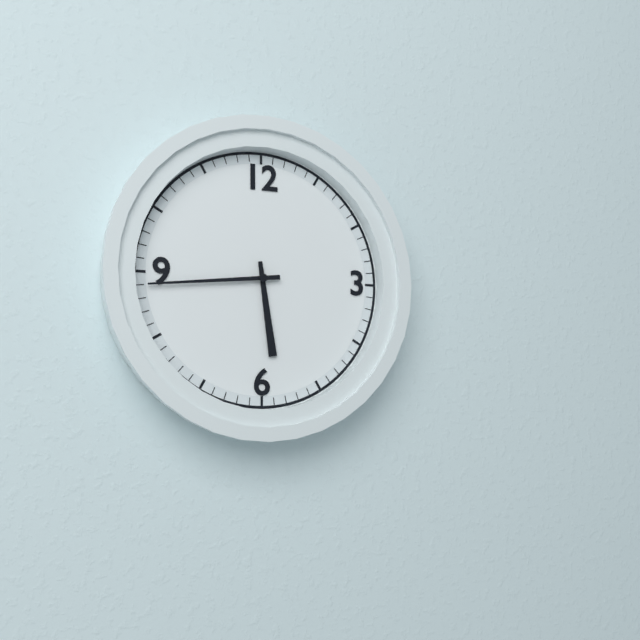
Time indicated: 5:44
